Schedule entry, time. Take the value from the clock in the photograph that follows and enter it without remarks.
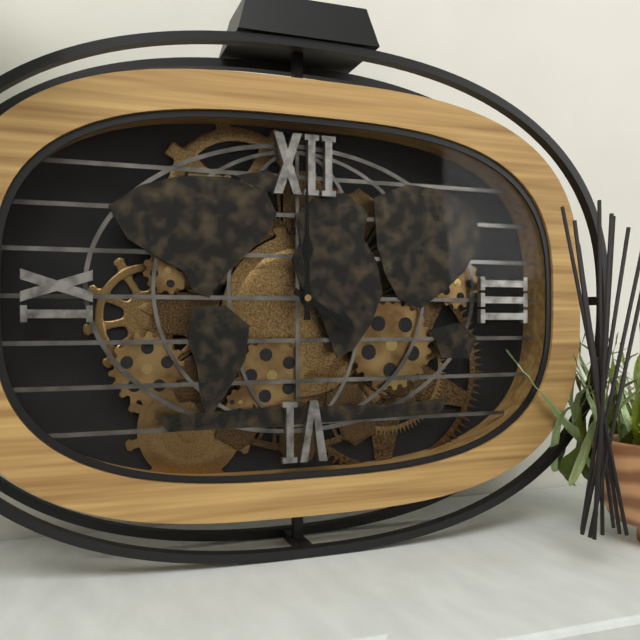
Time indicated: 4:00
